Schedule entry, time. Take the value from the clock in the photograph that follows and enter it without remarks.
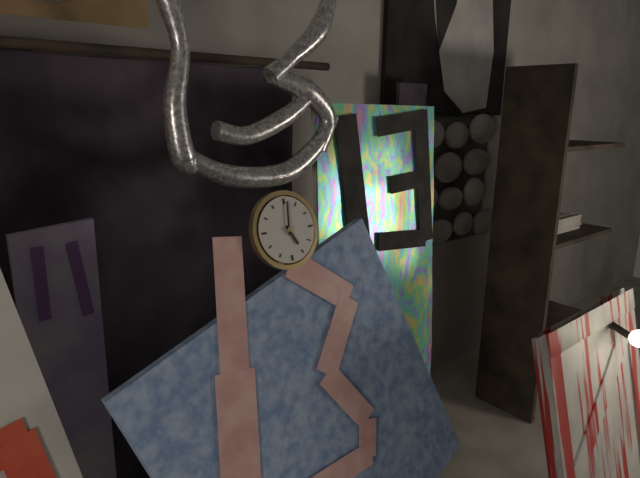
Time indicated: 5:01
